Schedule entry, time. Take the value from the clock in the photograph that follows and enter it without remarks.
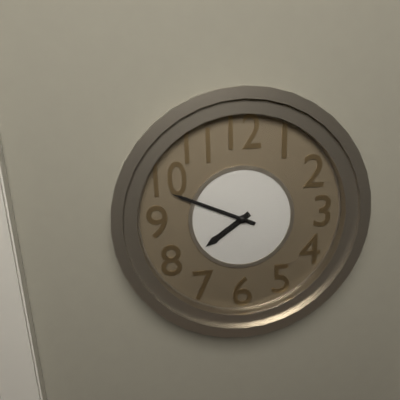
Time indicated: 7:49
